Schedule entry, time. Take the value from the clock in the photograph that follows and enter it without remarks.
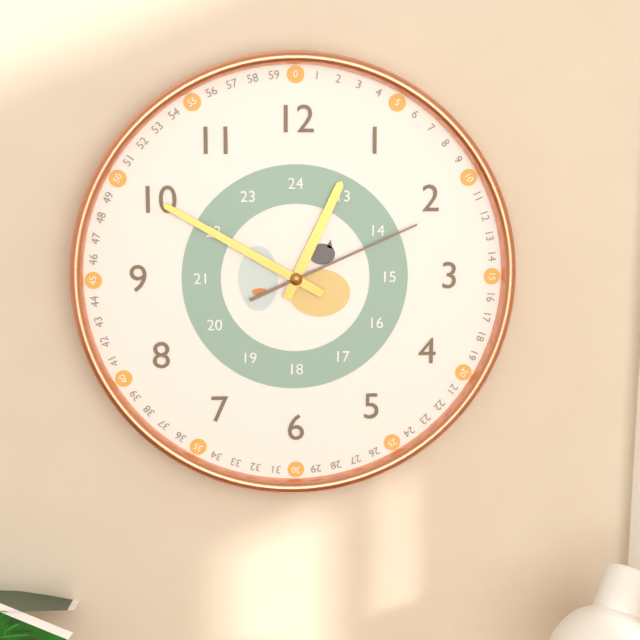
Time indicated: 12:50:11
